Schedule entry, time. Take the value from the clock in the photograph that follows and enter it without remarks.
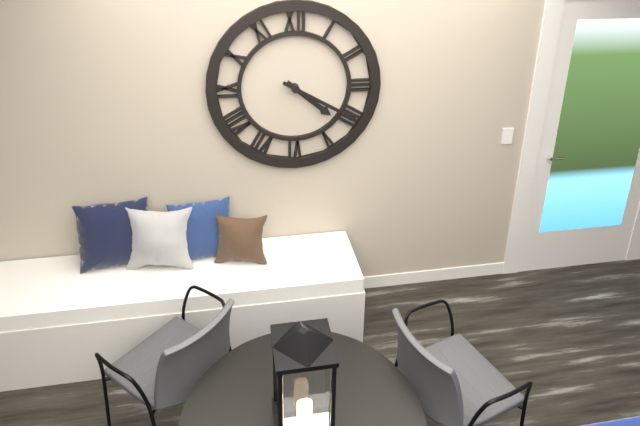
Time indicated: 4:20
